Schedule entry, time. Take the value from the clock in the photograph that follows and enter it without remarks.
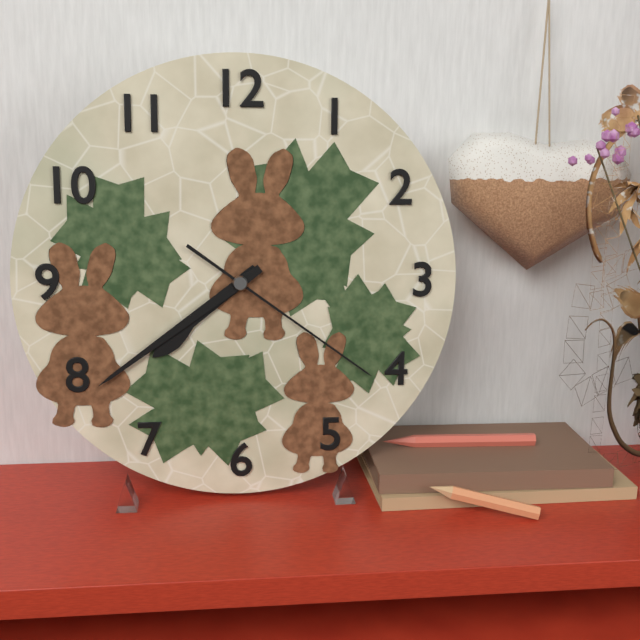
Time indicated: 7:39:21
